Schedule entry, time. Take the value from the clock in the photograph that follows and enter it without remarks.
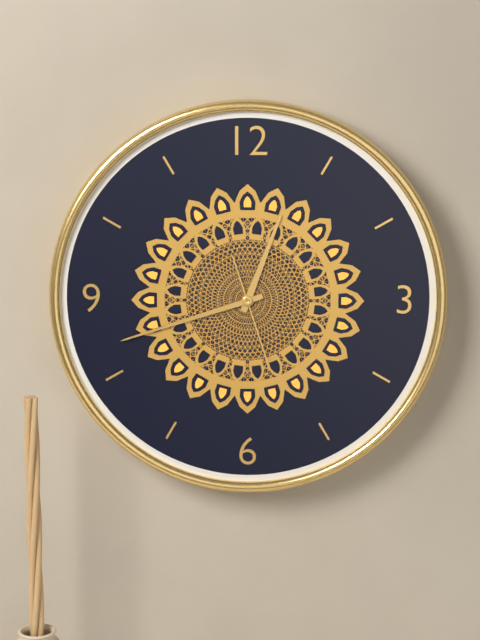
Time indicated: 12:42:27
